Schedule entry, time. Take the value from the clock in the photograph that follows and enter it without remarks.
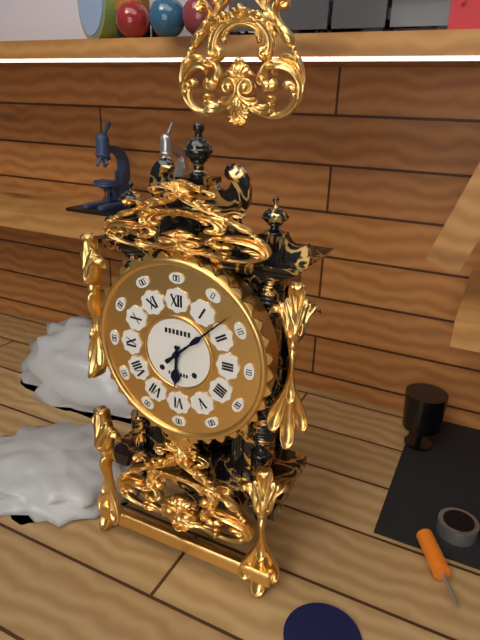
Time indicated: 6:08
